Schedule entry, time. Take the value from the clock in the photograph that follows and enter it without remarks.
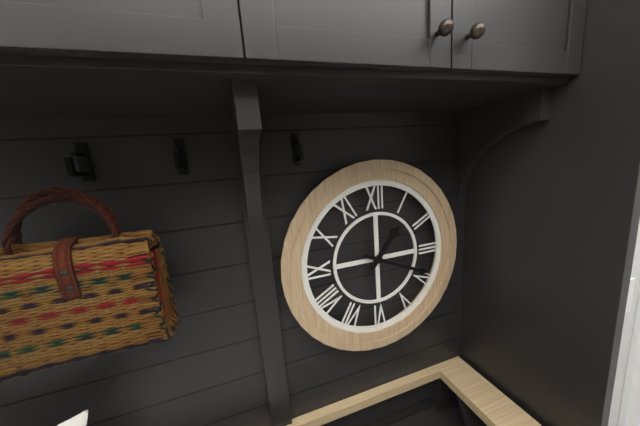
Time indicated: 1:19
